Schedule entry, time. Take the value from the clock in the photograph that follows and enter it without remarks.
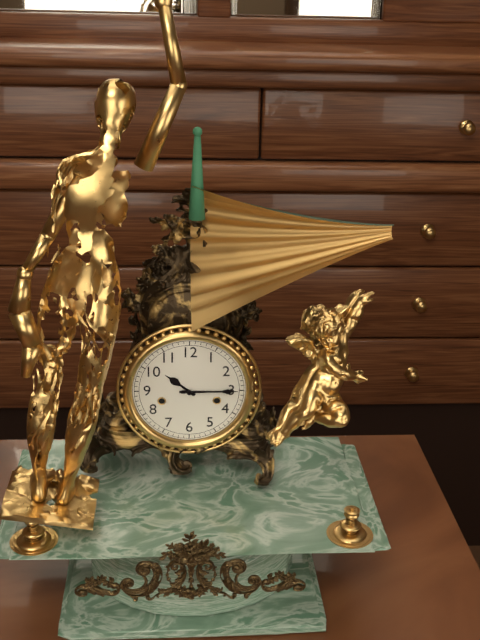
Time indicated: 10:15
